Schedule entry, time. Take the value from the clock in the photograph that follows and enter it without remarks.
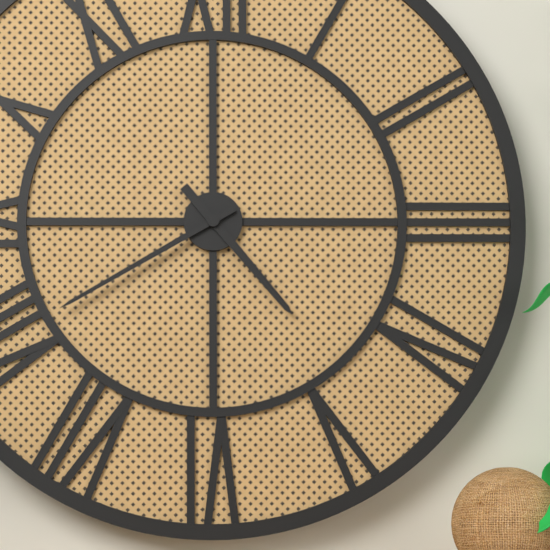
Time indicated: 4:40
